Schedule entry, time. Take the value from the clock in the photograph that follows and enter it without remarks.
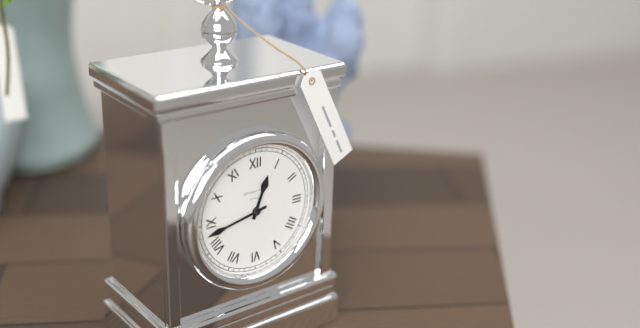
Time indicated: 12:43
